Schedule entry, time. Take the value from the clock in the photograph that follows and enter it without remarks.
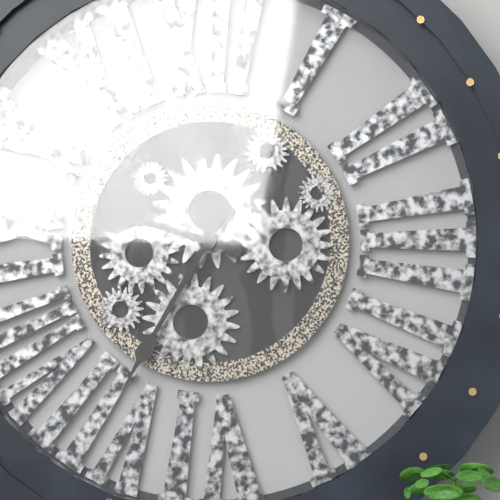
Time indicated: 9:35
